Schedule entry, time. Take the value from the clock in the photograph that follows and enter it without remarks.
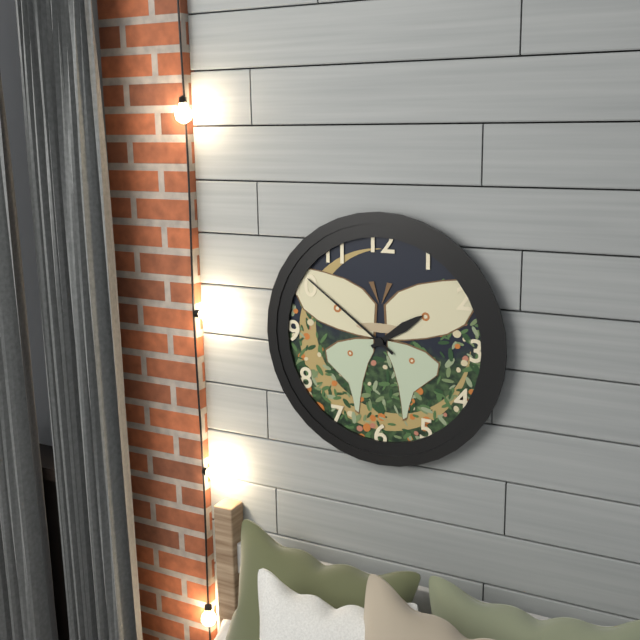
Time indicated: 1:51
